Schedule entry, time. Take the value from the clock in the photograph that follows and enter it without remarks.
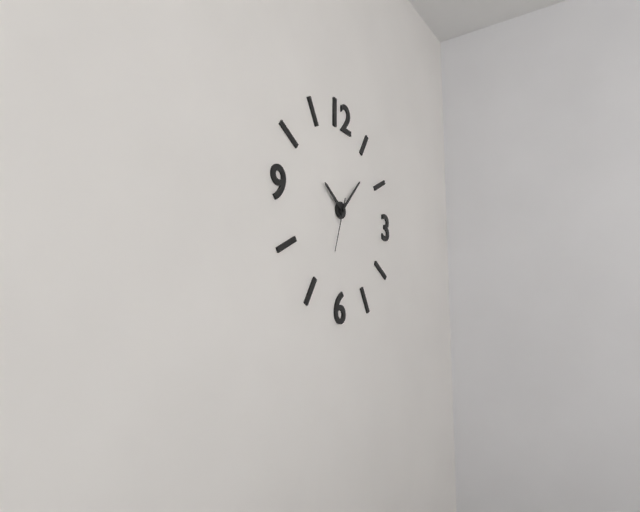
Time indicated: 10:07:33
